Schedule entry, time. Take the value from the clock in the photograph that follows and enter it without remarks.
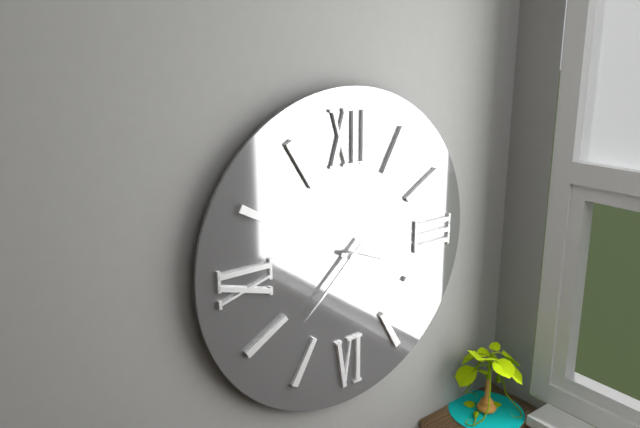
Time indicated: 3:38
